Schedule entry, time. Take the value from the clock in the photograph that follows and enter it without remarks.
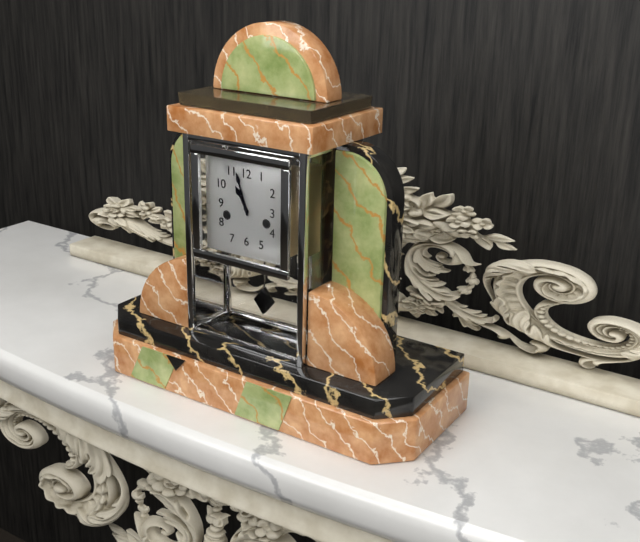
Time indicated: 10:57
